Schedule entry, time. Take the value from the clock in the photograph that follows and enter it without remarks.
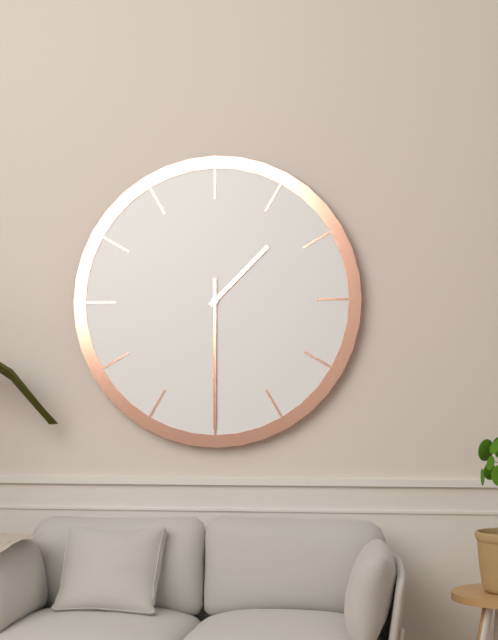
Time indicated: 1:30
